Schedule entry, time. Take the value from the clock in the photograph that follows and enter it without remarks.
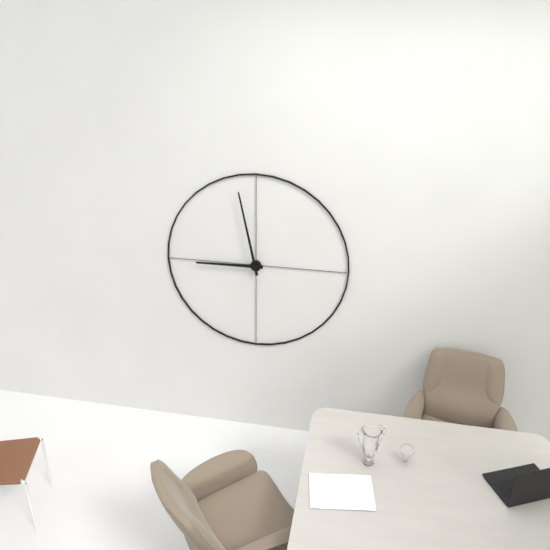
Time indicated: 8:58
